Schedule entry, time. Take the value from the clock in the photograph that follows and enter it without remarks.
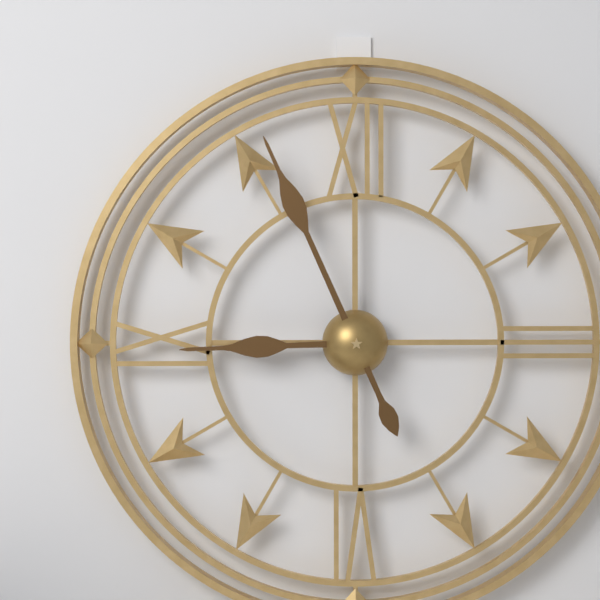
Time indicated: 8:56
